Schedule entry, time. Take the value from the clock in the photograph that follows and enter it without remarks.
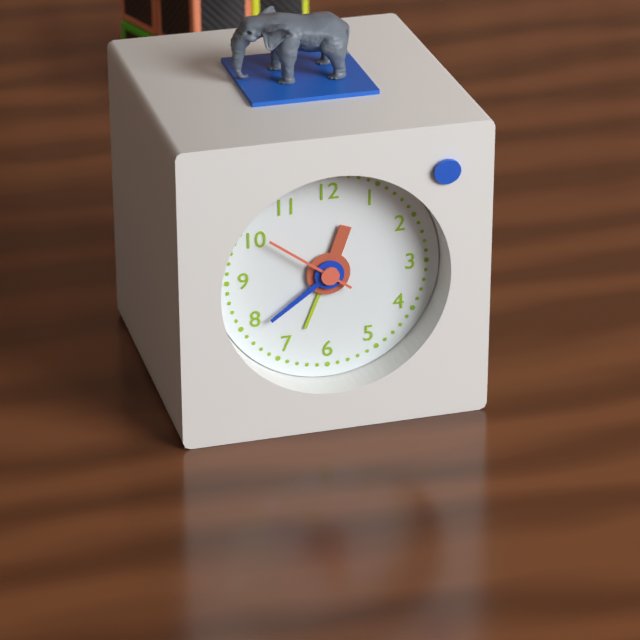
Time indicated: 12:39:51
